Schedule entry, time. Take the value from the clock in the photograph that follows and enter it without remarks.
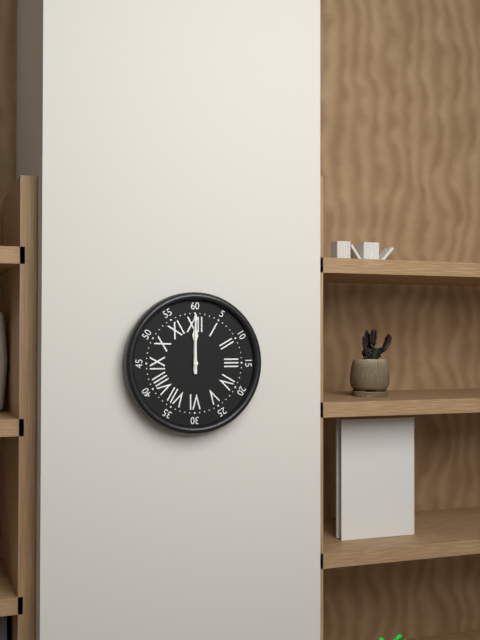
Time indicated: 12:00
